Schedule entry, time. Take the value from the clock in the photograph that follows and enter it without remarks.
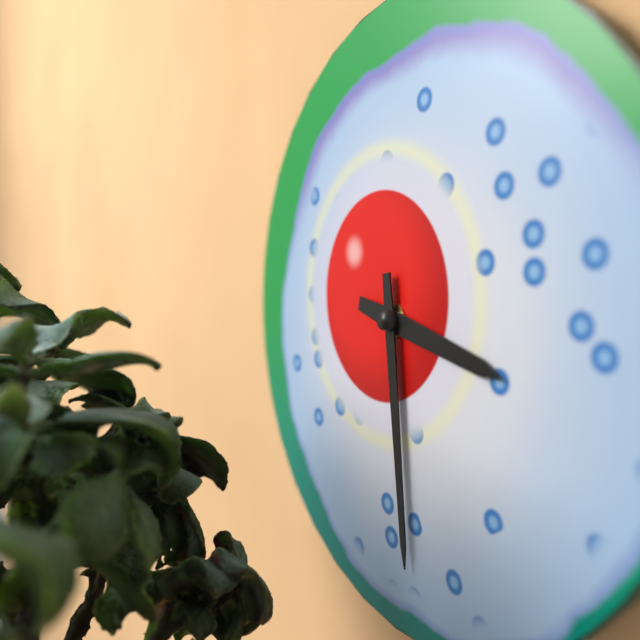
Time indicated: 3:29
